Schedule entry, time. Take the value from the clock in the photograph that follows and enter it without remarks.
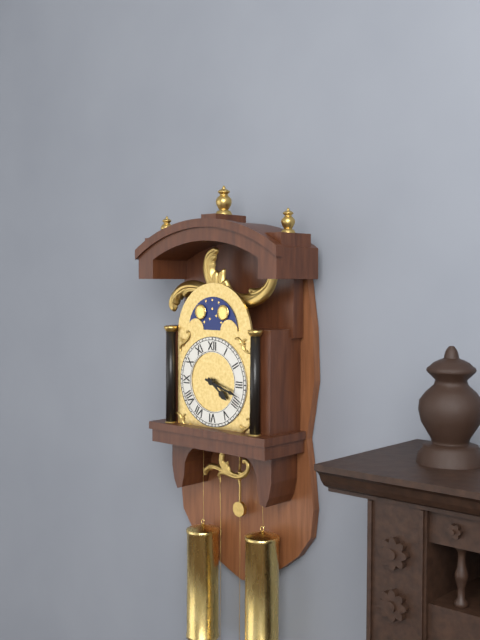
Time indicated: 4:18
